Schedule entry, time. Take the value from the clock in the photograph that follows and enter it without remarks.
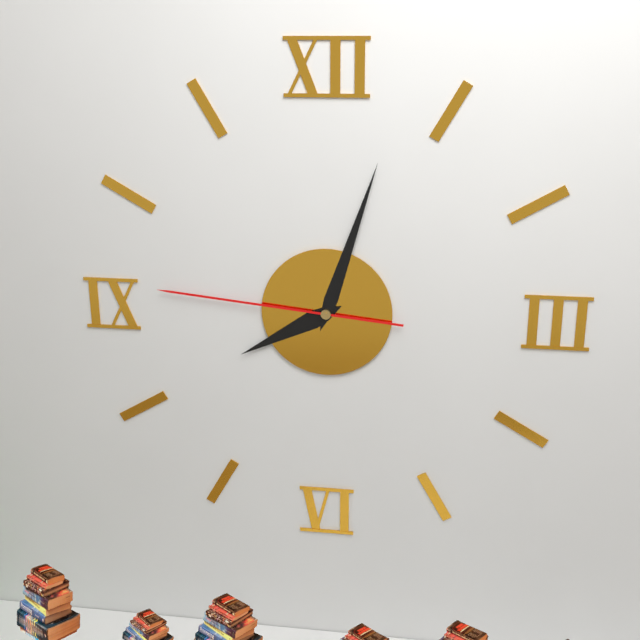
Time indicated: 8:03:46
